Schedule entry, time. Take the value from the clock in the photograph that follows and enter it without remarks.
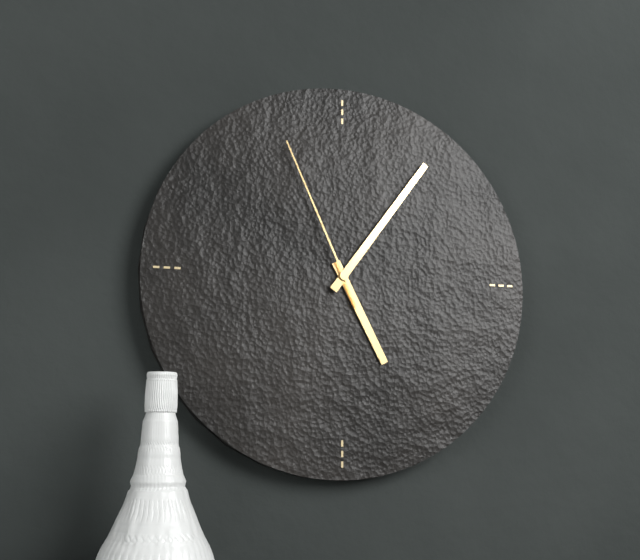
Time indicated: 5:06:56
